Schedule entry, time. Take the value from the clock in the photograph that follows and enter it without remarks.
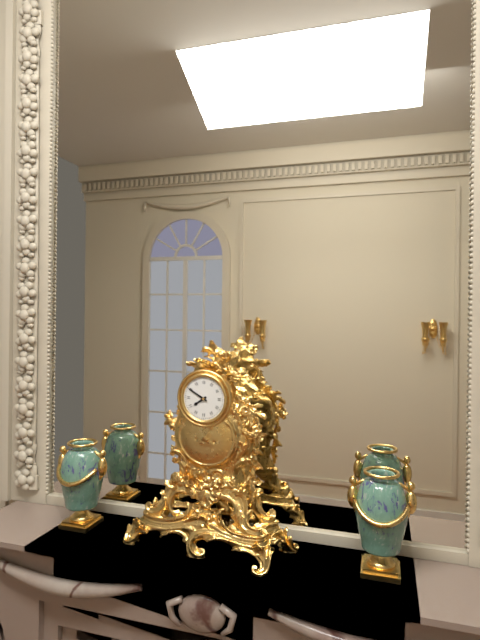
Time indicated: 7:50
